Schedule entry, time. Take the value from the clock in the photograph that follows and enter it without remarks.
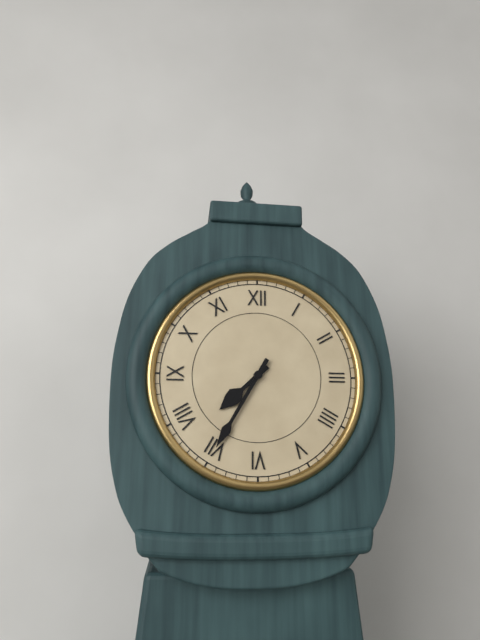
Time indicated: 7:35
